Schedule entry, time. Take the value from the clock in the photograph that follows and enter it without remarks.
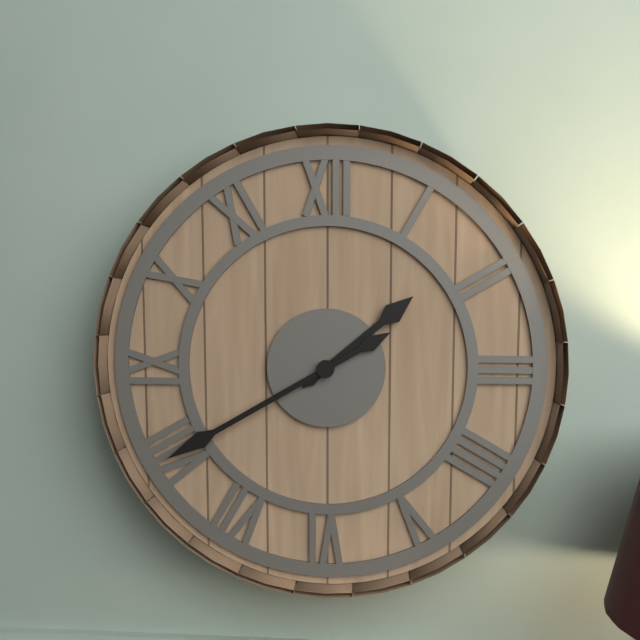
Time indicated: 1:40
